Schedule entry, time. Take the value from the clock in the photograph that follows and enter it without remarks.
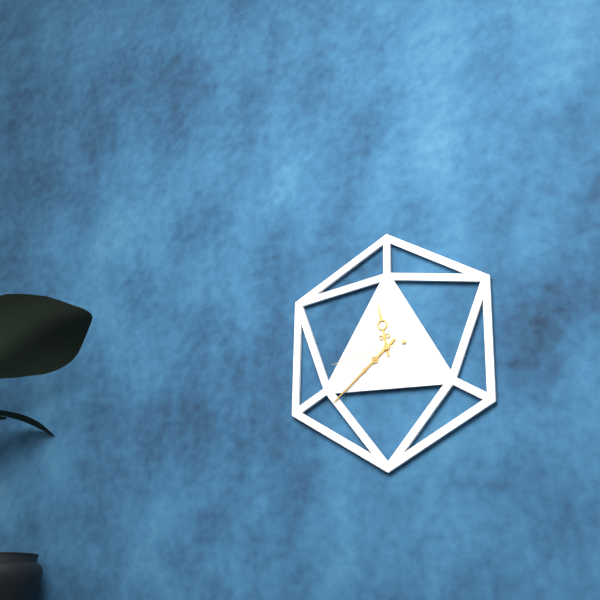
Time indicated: 11:38:43
